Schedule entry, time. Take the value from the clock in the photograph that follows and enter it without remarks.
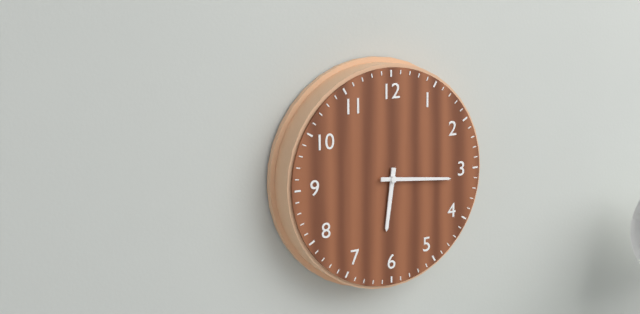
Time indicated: 6:16
